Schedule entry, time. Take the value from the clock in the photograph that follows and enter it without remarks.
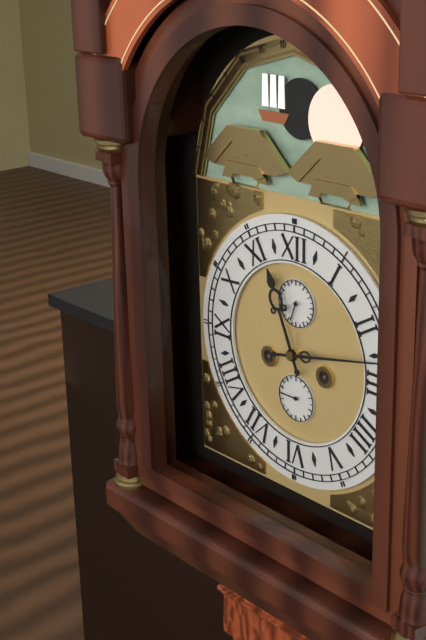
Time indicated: 11:13
